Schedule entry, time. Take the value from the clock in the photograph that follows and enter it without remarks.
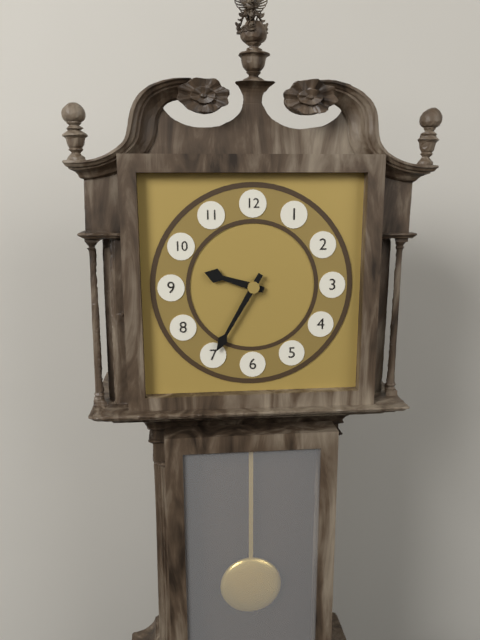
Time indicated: 9:35
